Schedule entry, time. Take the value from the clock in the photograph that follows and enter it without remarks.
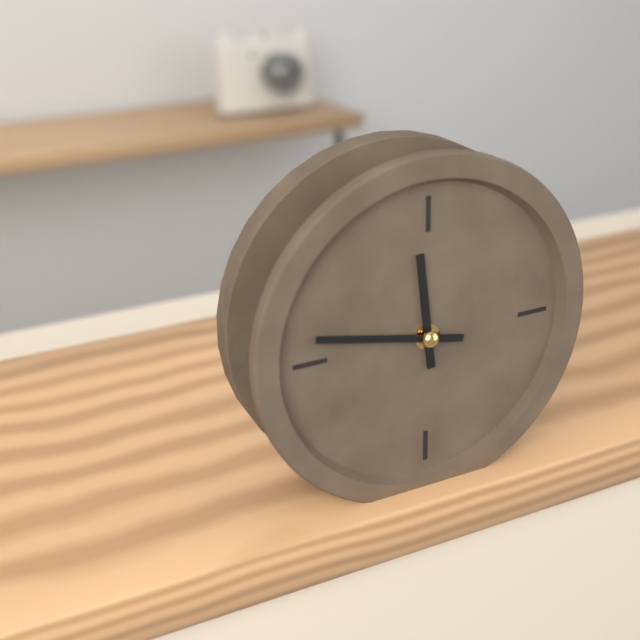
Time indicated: 11:47
